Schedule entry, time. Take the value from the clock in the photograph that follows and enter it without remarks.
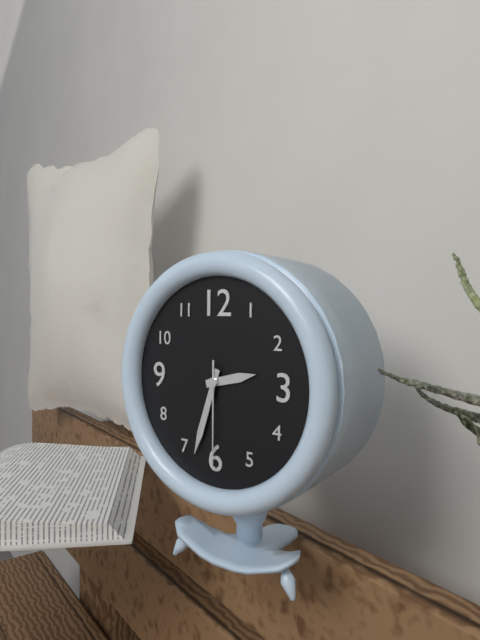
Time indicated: 2:33:30
